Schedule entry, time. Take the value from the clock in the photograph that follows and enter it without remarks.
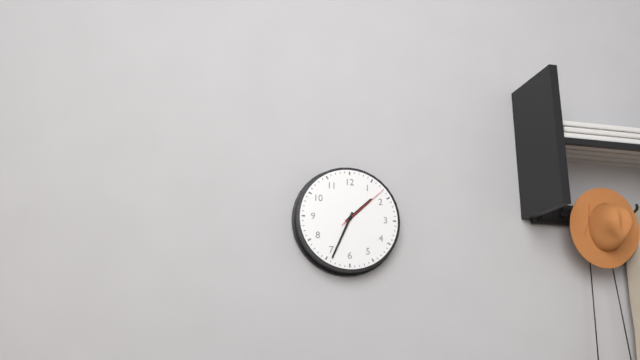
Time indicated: 1:34:08
